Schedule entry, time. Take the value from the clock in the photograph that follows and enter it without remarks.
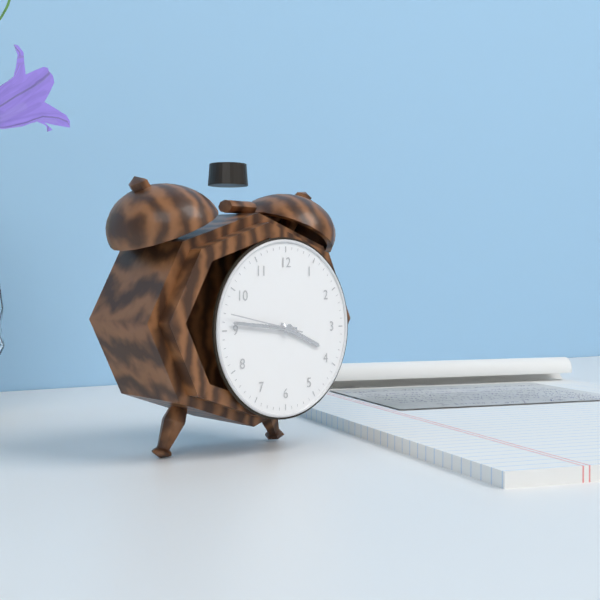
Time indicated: 3:46:47
